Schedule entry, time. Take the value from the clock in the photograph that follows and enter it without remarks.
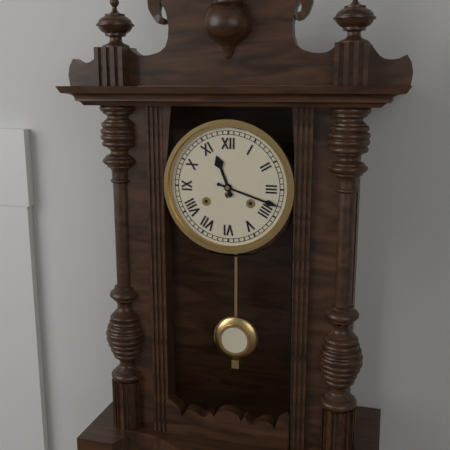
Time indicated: 11:18
